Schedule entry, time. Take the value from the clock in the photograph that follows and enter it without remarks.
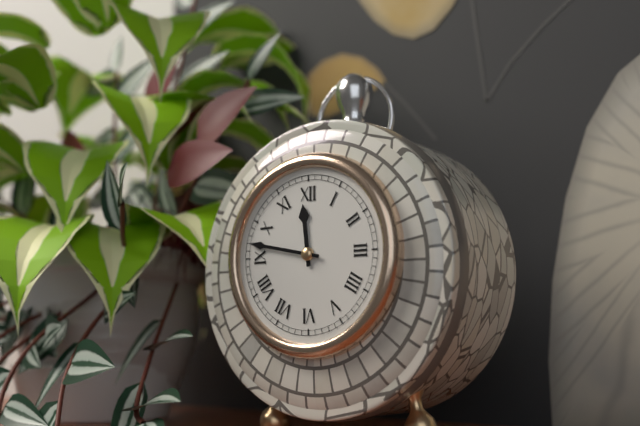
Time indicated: 11:47
